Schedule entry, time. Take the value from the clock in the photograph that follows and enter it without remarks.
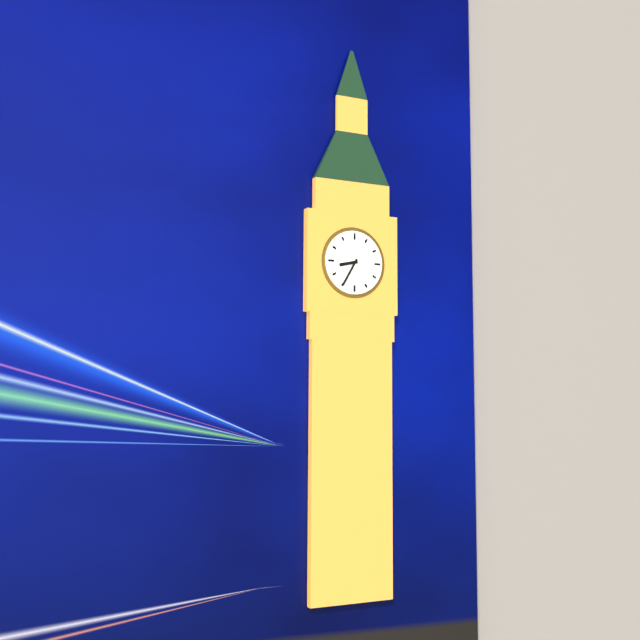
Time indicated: 8:35
